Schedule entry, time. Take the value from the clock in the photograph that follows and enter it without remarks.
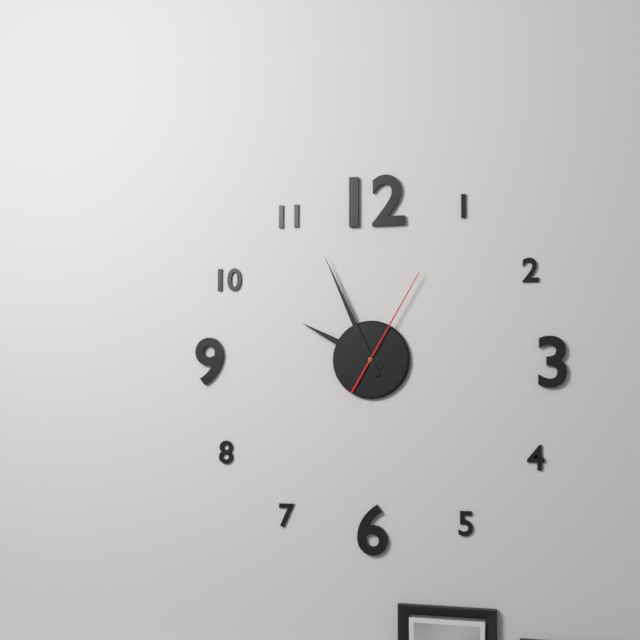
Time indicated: 9:56:05
